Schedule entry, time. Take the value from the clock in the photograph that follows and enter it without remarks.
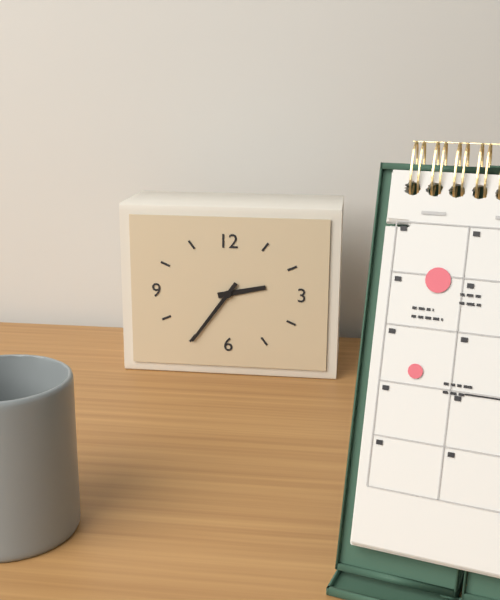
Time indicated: 2:36
